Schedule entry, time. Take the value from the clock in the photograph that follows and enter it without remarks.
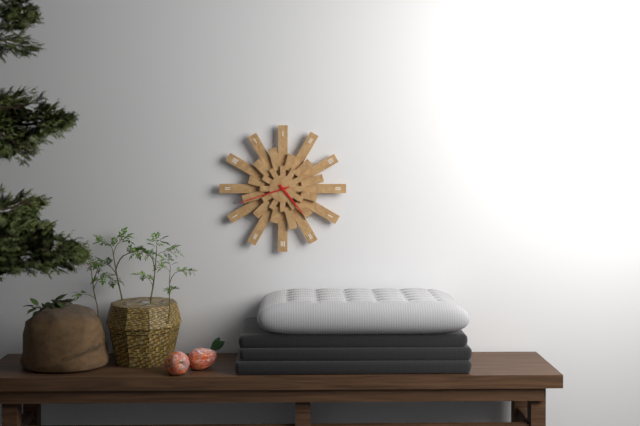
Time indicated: 4:42
